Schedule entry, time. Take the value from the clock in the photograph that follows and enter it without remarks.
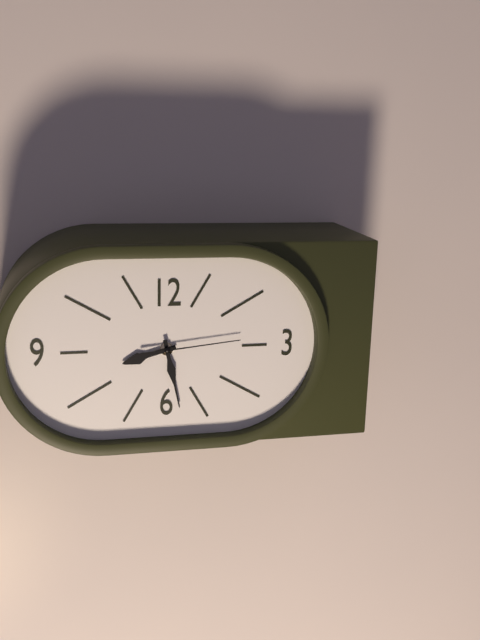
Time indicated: 8:28:14
